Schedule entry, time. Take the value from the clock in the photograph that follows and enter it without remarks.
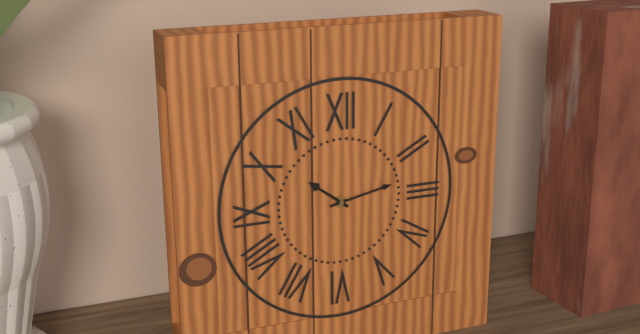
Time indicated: 10:13
